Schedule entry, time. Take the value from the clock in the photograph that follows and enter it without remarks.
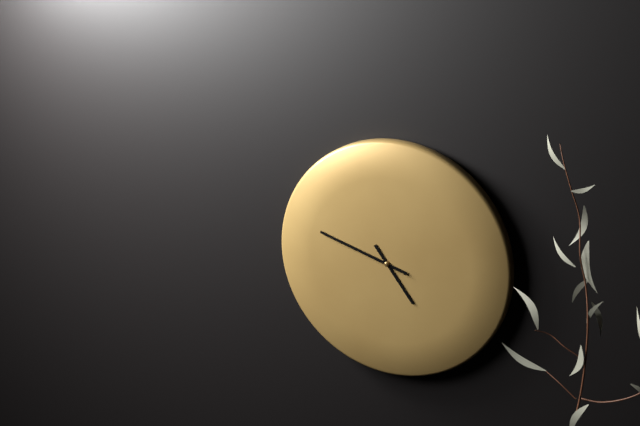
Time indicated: 4:48
